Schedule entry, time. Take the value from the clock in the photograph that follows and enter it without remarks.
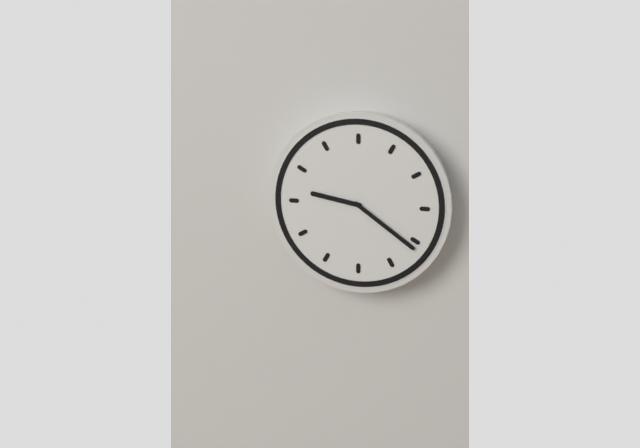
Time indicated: 9:21
